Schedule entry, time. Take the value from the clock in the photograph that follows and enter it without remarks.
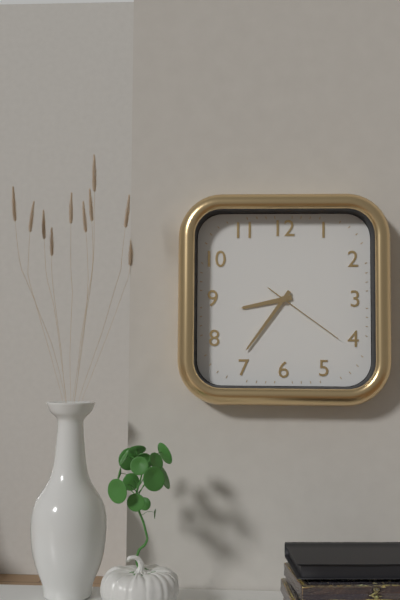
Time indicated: 8:36:21
